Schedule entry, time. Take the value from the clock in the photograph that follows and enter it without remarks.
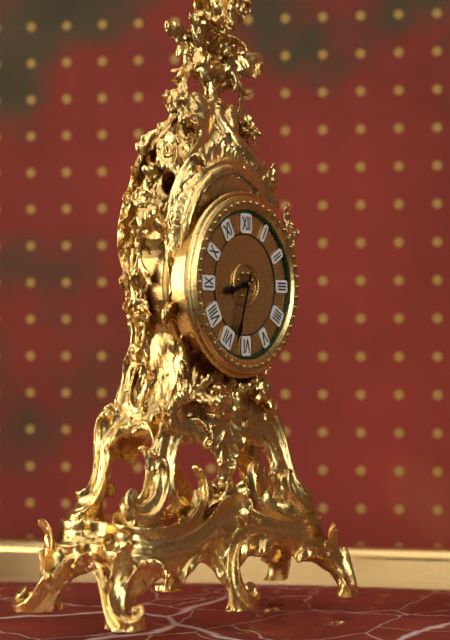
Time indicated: 8:33
